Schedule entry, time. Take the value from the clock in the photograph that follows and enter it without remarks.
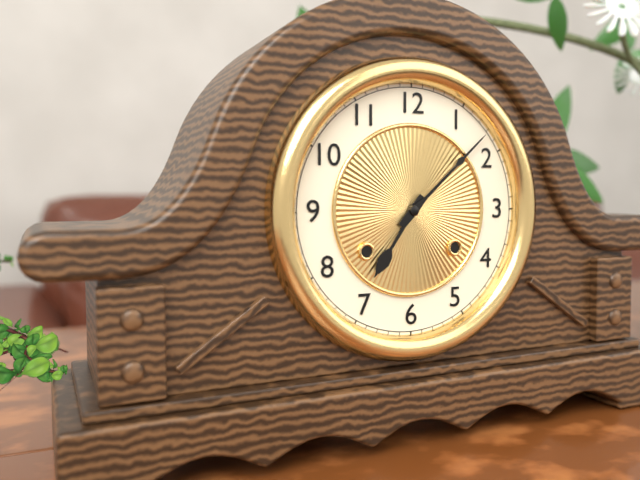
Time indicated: 7:08
